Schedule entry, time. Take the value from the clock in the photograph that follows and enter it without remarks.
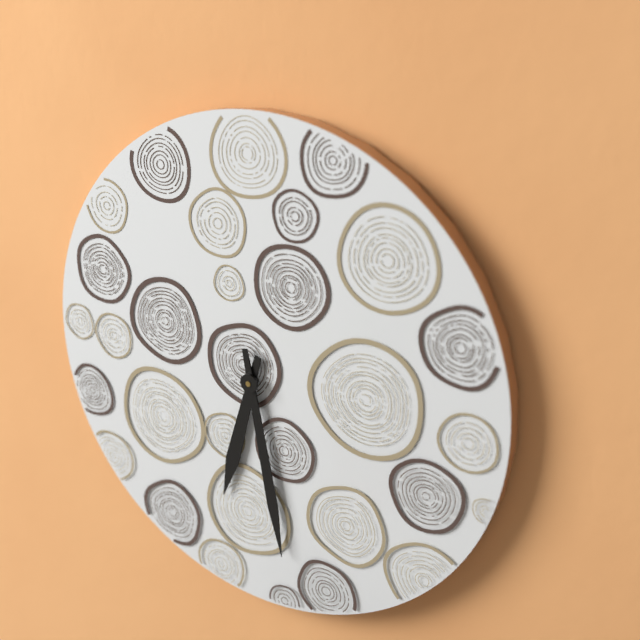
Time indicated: 6:28
